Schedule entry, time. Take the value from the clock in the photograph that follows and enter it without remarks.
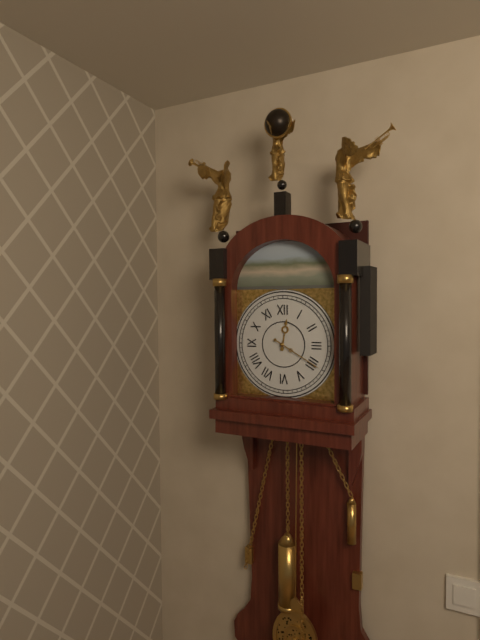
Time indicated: 12:20
